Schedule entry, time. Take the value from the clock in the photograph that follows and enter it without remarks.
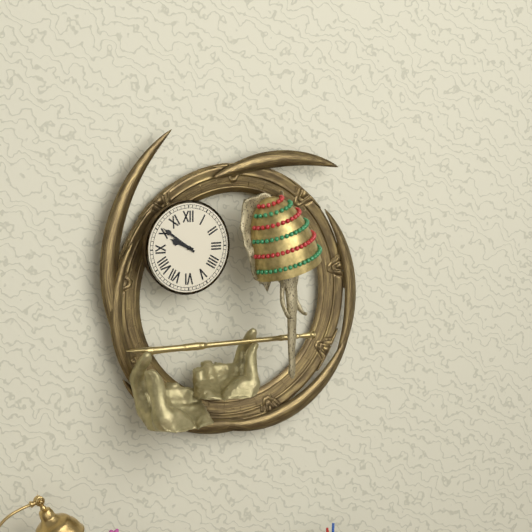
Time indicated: 9:51
